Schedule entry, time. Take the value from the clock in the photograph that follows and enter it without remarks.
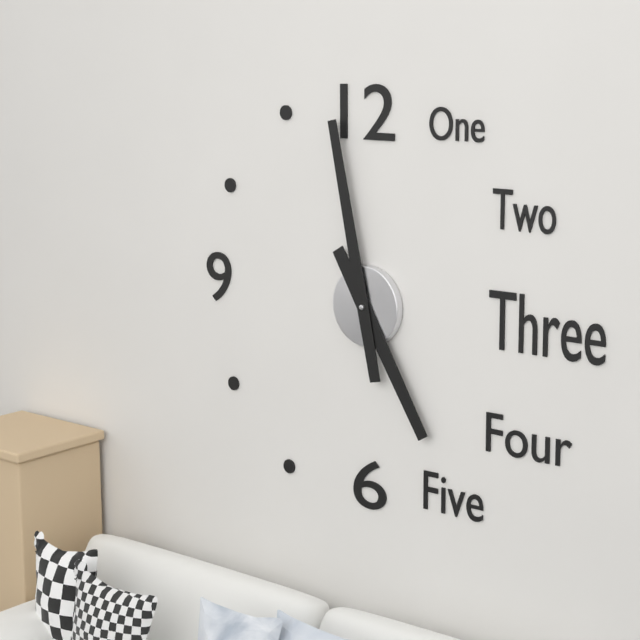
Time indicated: 4:58
